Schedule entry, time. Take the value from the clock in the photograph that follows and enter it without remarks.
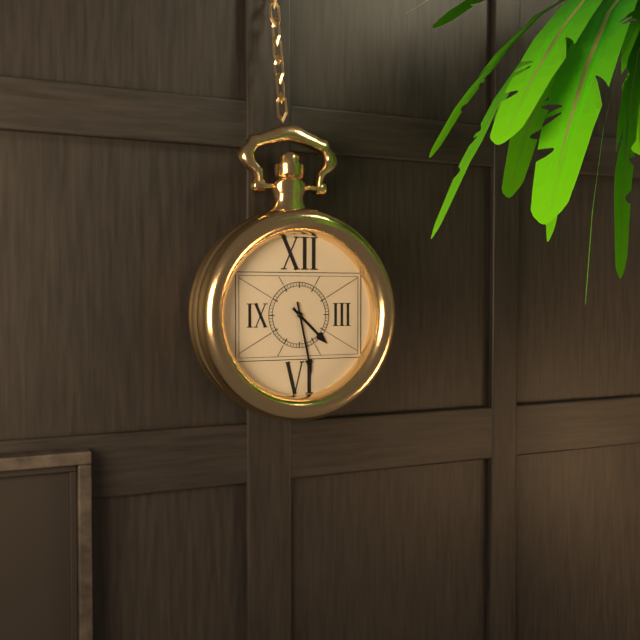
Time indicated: 4:28
